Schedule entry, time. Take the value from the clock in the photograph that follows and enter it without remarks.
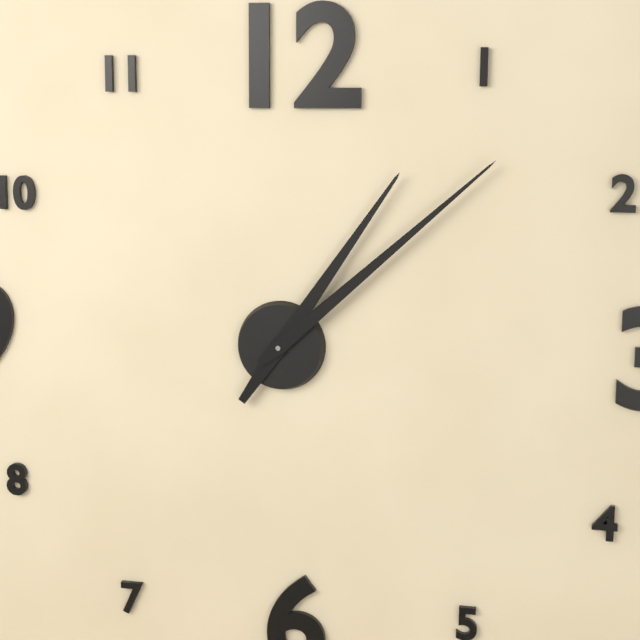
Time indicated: 1:08
